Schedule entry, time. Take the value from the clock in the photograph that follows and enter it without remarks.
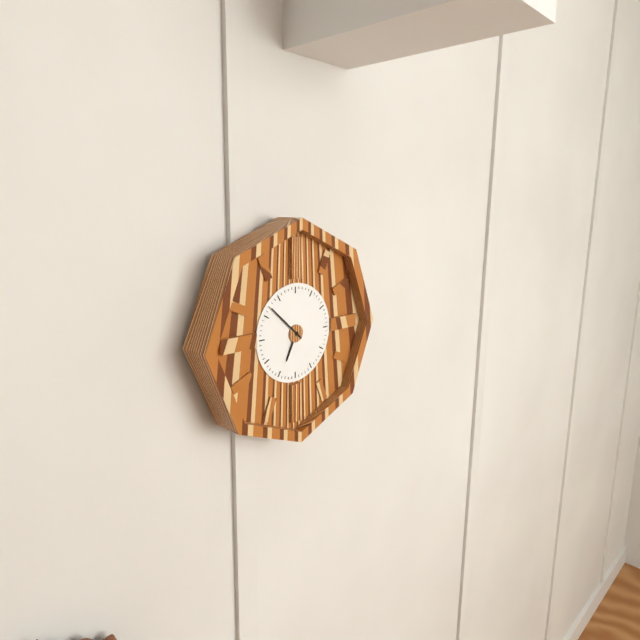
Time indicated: 6:52
